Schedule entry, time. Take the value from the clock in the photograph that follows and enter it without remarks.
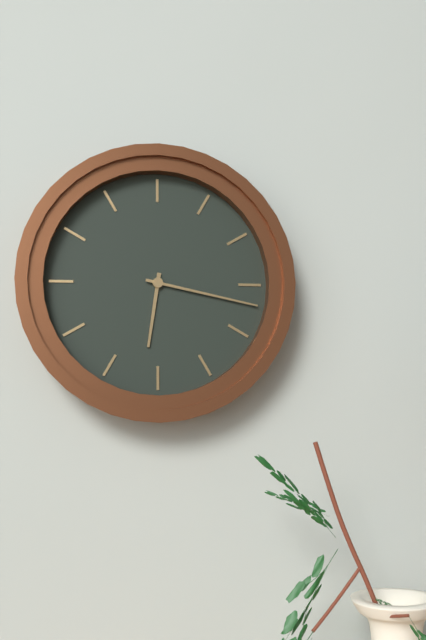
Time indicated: 6:17
